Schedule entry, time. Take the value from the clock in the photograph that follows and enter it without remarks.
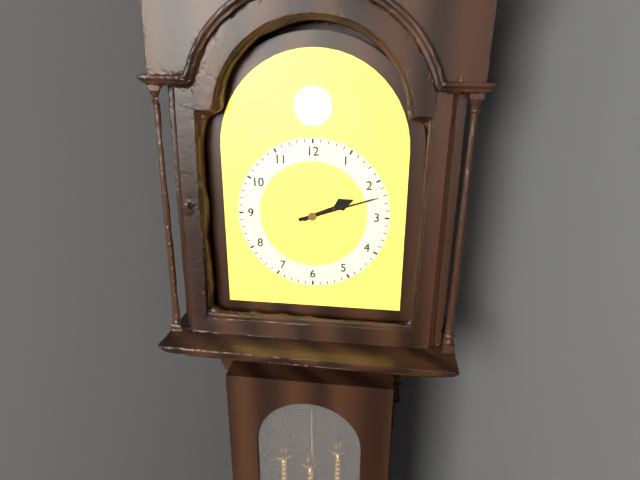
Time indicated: 2:12
